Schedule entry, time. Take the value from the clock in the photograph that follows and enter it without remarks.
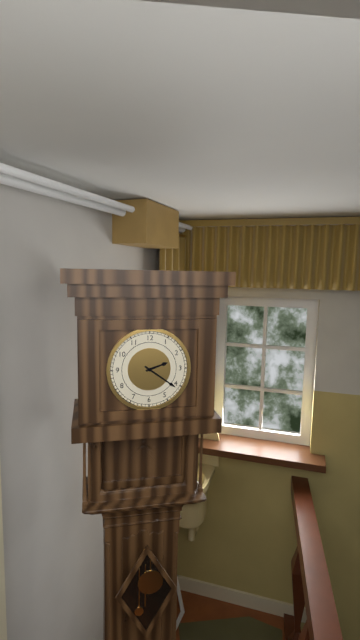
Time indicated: 2:21
